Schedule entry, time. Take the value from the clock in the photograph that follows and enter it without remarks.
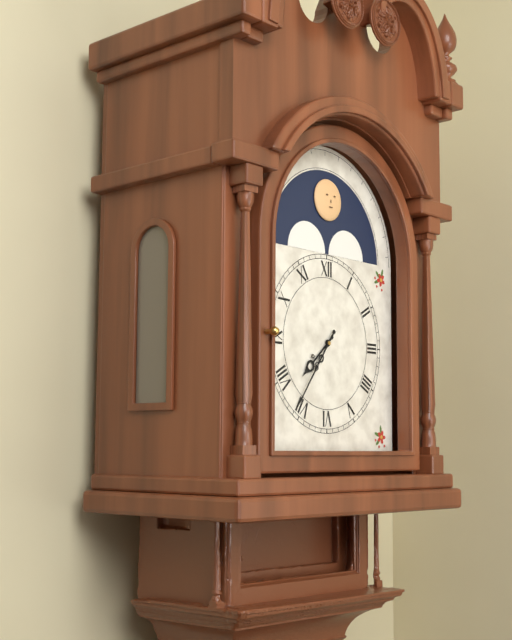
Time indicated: 7:36
